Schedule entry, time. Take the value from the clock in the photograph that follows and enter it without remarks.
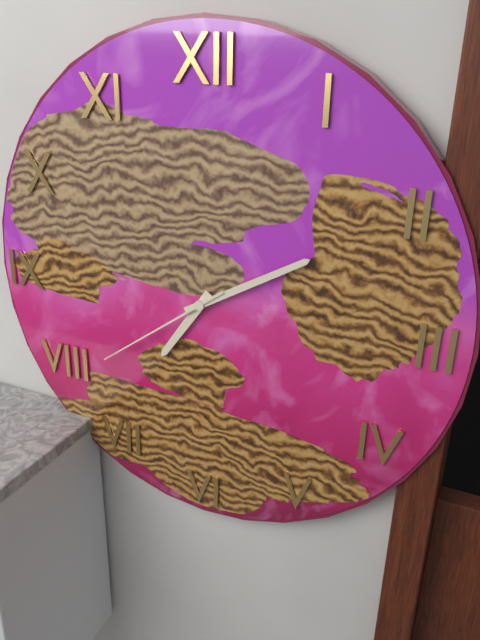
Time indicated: 7:10:39
